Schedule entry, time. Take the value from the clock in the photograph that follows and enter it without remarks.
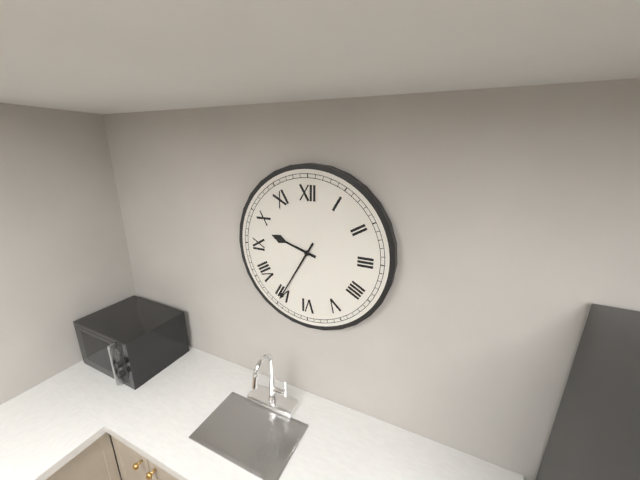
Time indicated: 9:35
